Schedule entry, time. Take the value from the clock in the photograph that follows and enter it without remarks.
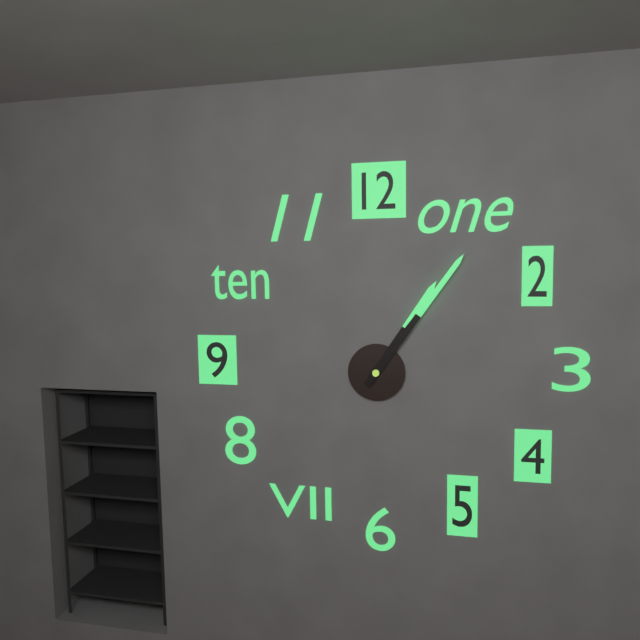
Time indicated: 1:06
